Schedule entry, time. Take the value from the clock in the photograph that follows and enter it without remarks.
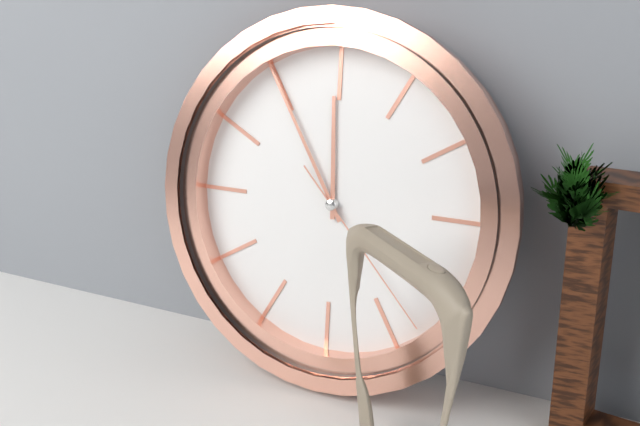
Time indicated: 11:55:23
